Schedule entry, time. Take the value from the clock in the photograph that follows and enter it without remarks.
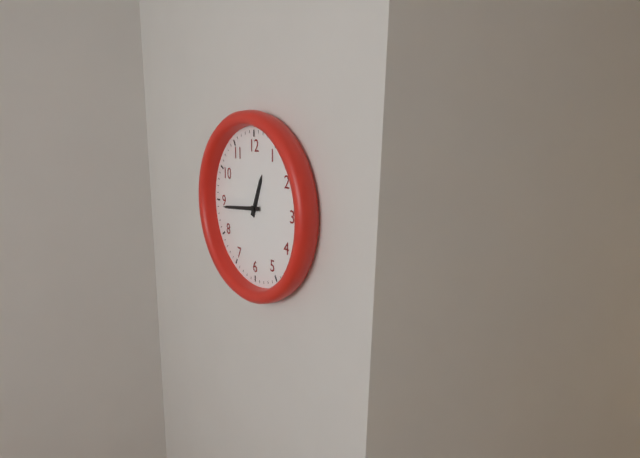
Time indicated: 12:44
